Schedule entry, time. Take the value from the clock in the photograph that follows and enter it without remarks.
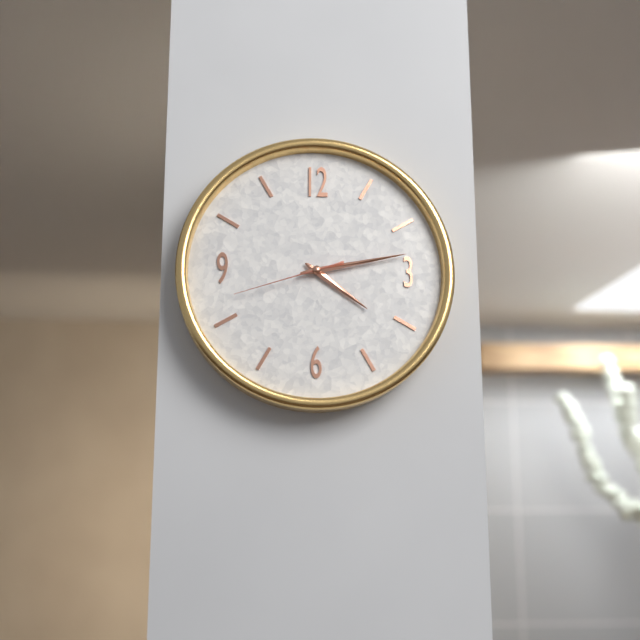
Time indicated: 4:13:42
